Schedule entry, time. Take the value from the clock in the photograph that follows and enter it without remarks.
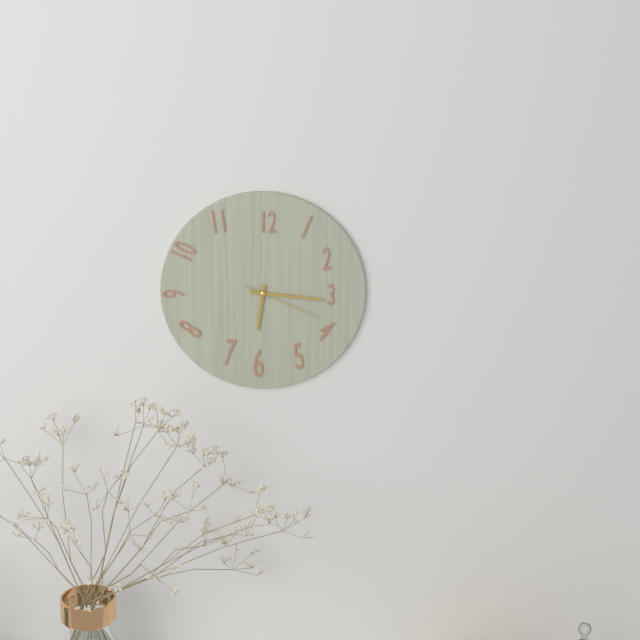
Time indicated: 6:16:19
